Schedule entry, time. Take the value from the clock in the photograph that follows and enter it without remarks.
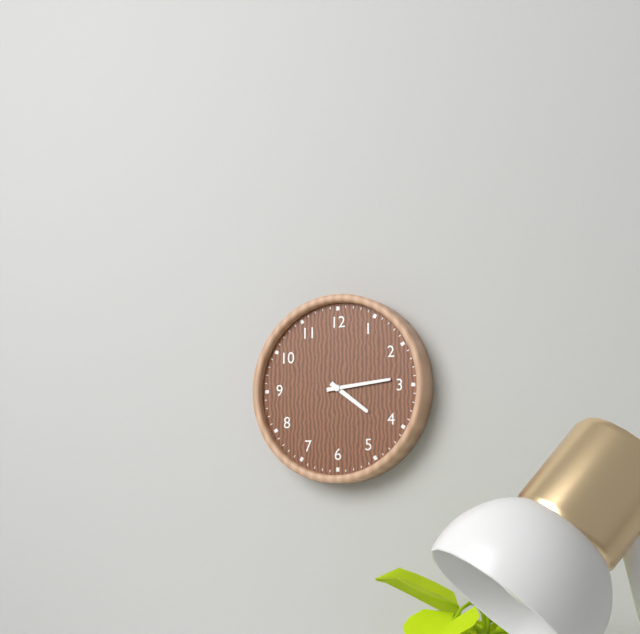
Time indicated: 4:14
